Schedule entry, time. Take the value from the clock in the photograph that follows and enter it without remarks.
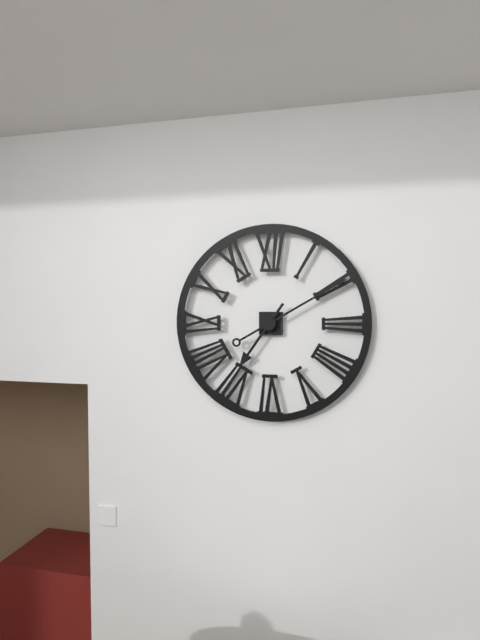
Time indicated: 7:10
